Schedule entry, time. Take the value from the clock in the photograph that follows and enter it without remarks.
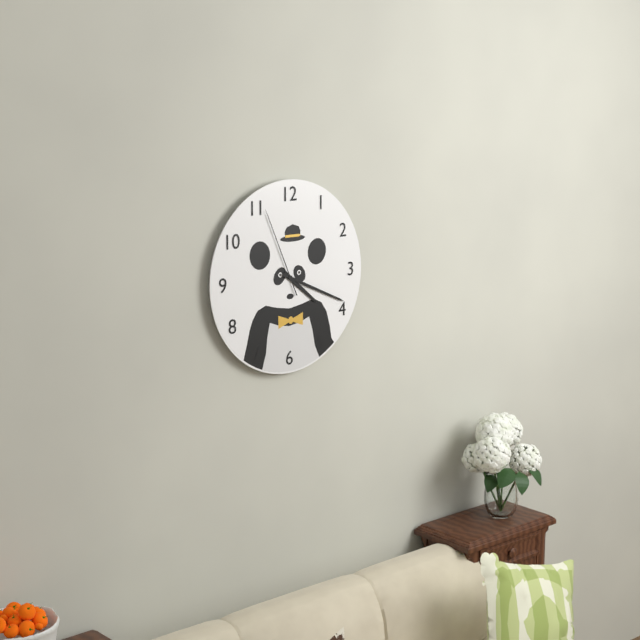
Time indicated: 4:19:56
